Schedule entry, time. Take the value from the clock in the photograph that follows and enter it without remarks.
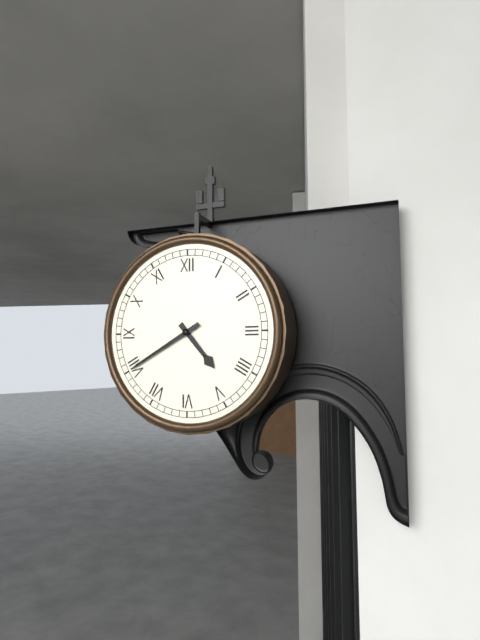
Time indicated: 4:40
